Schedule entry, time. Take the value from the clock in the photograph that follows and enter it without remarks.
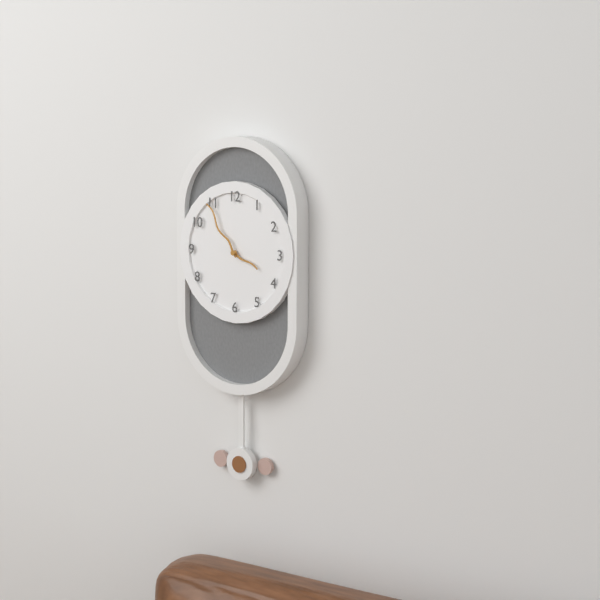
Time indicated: 3:54
